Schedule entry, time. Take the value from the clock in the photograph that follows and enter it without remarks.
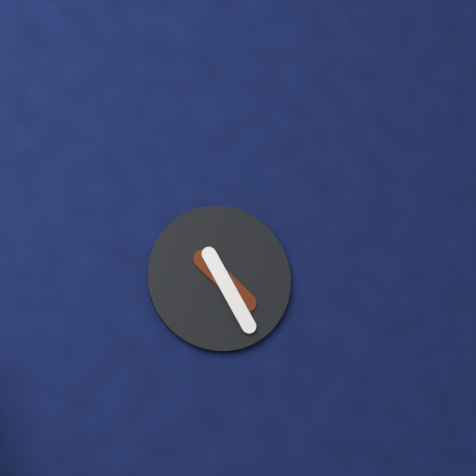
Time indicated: 4:25
